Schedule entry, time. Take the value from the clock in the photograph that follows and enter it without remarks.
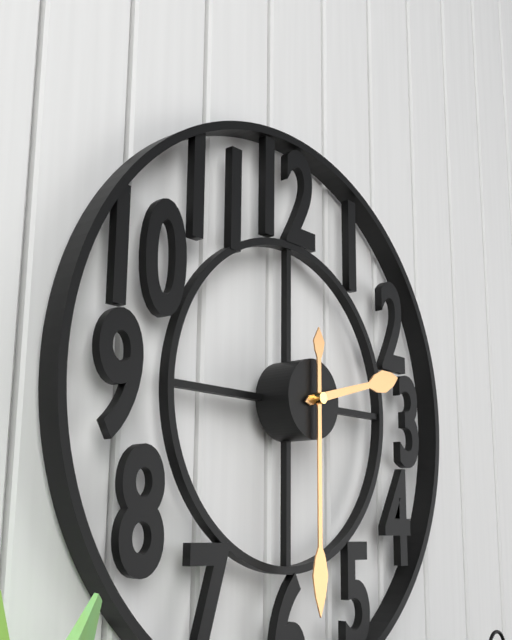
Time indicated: 2:30
